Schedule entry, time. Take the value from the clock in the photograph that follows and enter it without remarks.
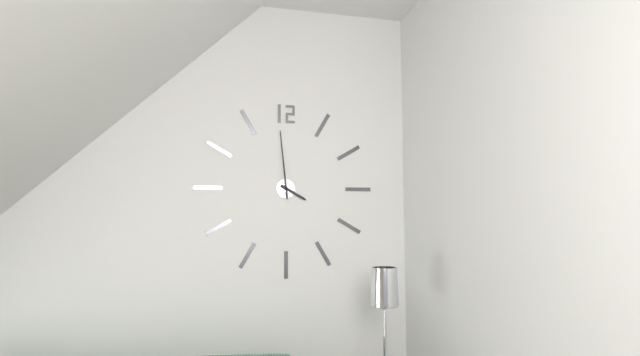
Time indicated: 3:59
